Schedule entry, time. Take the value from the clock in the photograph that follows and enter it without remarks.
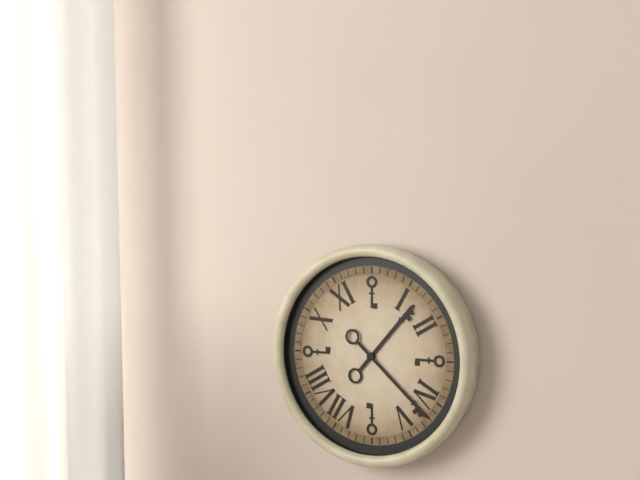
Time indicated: 1:22
